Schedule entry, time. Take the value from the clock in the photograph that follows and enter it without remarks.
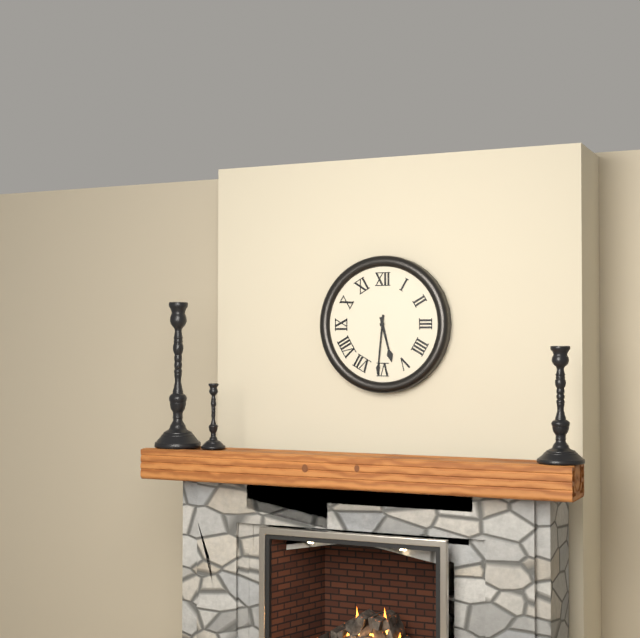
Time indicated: 5:31
